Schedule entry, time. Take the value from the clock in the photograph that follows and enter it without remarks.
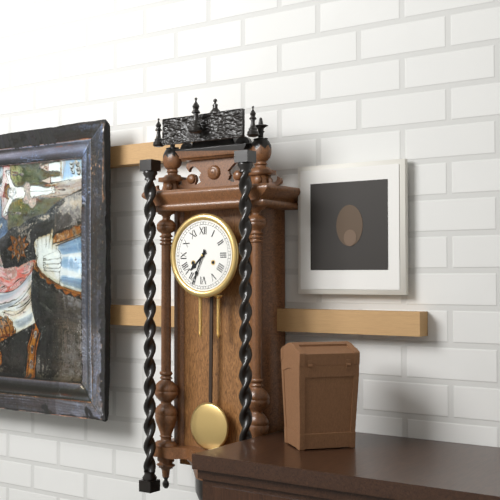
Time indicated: 7:34
